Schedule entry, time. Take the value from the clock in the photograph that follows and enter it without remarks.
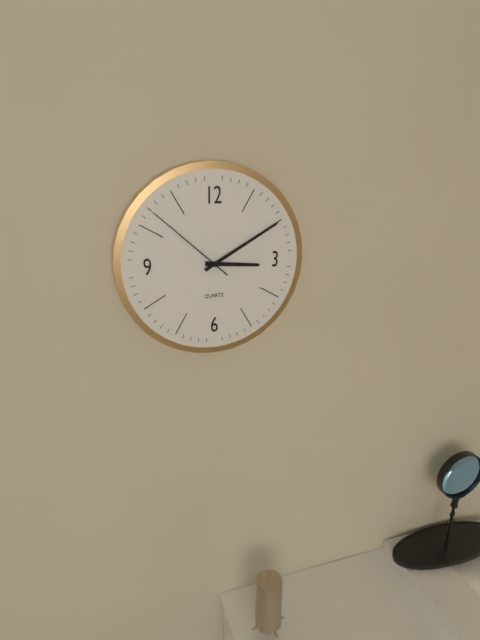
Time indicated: 3:10:52
